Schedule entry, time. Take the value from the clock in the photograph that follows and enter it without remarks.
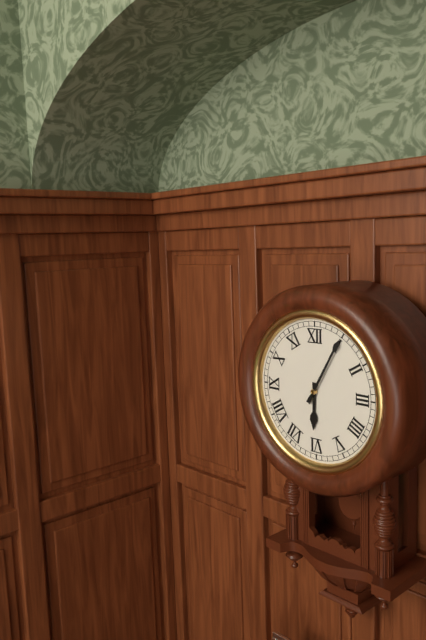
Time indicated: 6:05
